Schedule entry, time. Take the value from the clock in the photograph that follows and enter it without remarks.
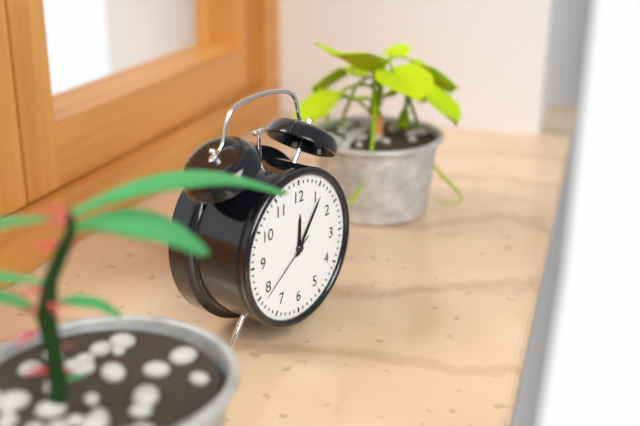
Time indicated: 12:06:39
